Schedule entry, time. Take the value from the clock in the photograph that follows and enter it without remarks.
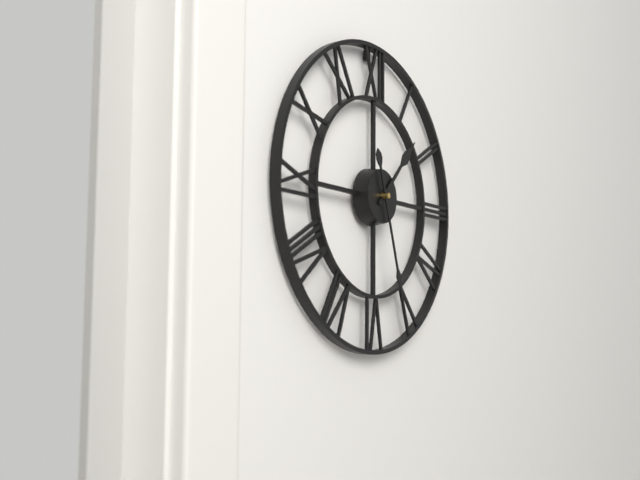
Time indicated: 1:27
